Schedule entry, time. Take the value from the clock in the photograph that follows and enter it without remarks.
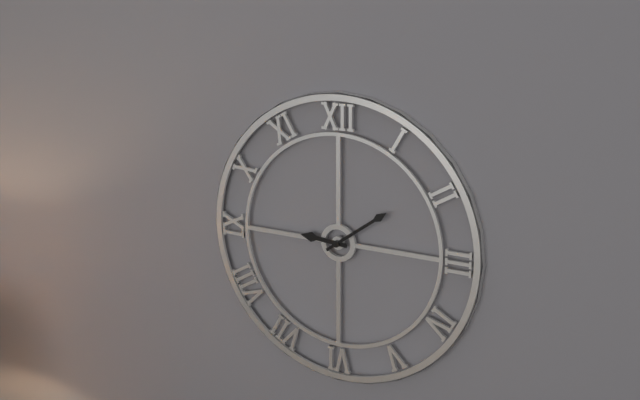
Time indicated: 9:09
